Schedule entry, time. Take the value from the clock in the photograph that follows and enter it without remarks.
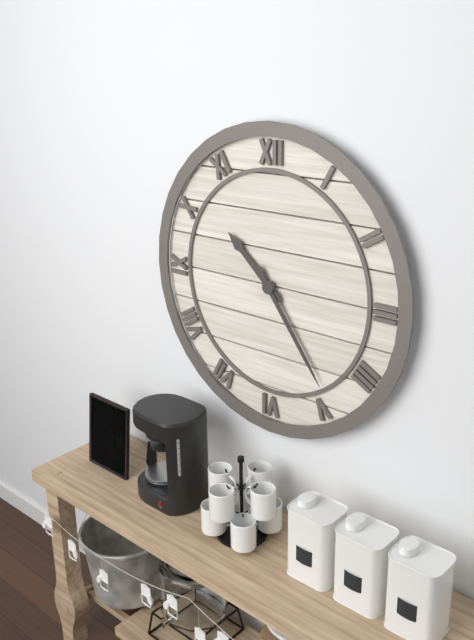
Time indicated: 10:24
